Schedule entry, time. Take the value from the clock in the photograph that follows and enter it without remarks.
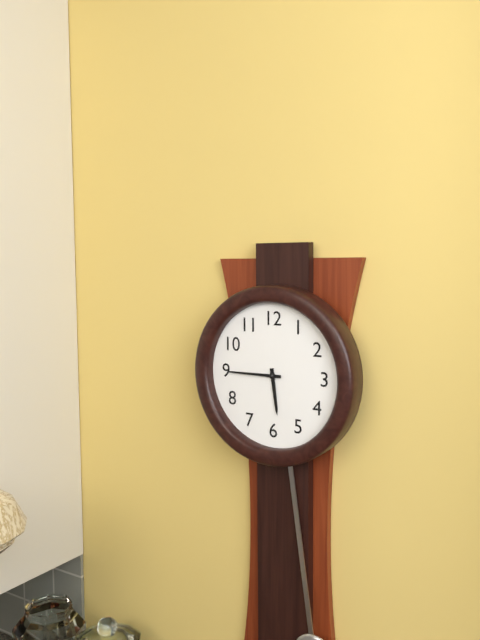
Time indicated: 5:45
